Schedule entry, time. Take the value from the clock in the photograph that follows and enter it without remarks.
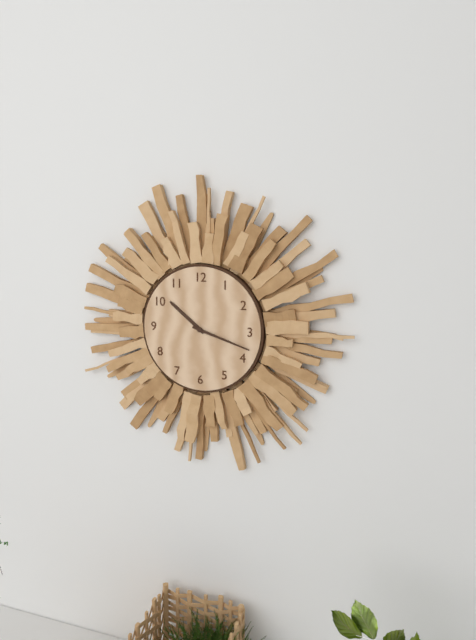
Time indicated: 10:18
